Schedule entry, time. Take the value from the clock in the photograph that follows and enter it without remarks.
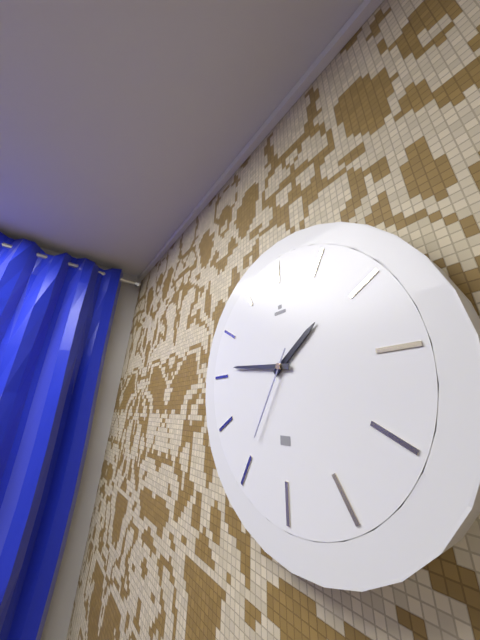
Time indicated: 1:46:35
